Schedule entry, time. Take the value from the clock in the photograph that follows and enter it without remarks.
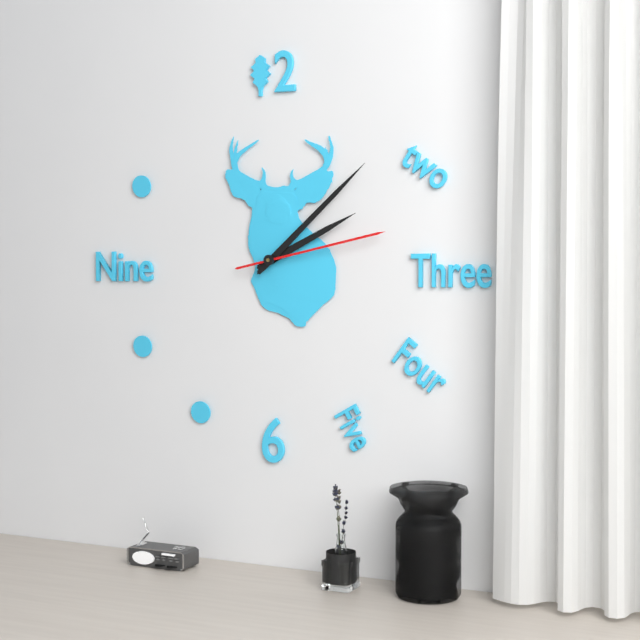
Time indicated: 2:08:13
